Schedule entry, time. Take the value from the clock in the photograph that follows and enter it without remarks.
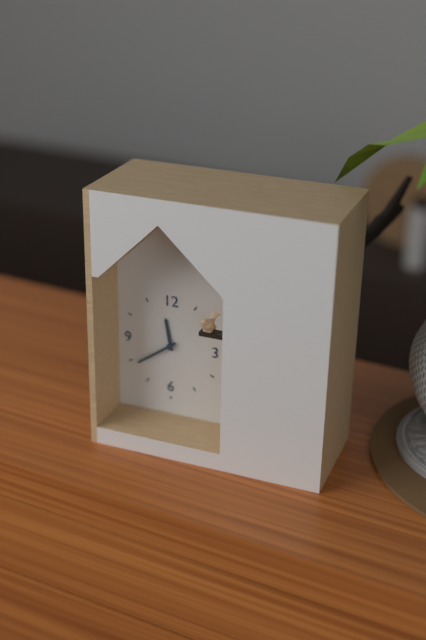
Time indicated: 11:39
